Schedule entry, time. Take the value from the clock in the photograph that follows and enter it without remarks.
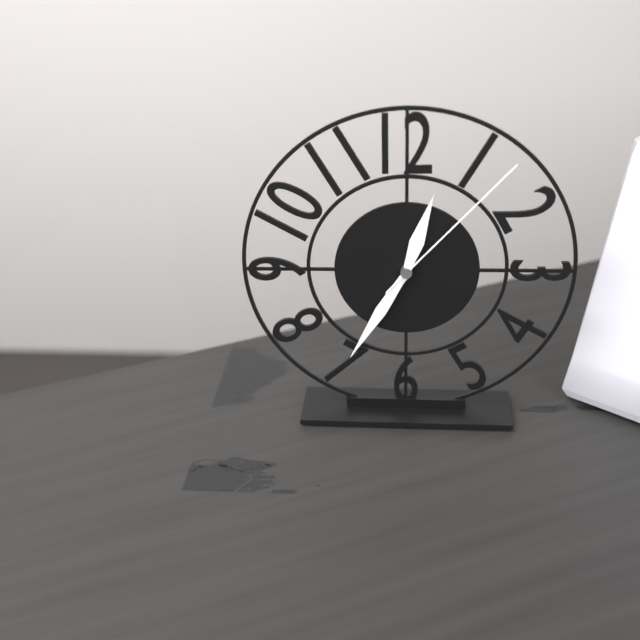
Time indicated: 12:35:07
